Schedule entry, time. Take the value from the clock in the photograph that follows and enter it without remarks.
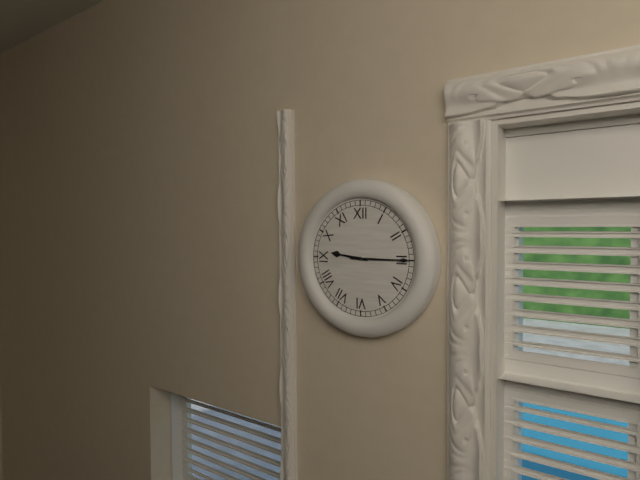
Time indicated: 9:15
